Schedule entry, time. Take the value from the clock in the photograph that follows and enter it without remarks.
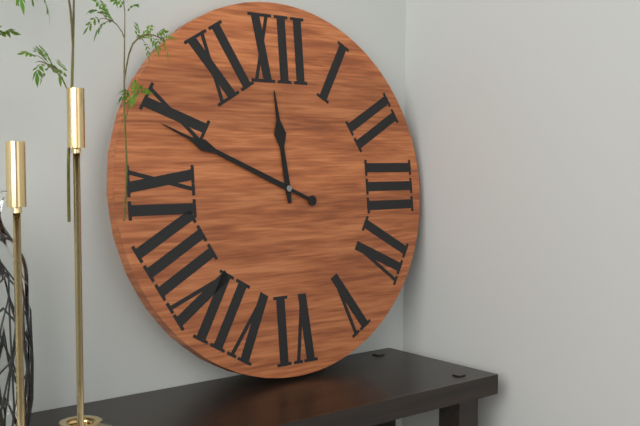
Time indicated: 11:49
